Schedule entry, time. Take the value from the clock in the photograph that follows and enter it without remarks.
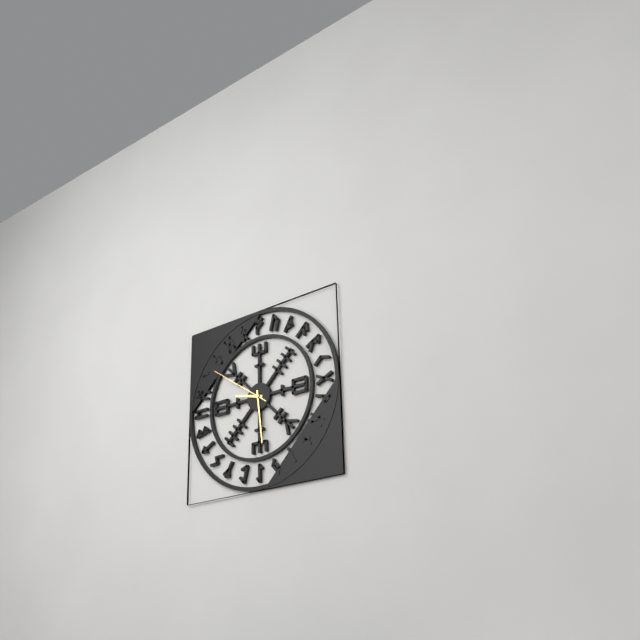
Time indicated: 9:29:51
